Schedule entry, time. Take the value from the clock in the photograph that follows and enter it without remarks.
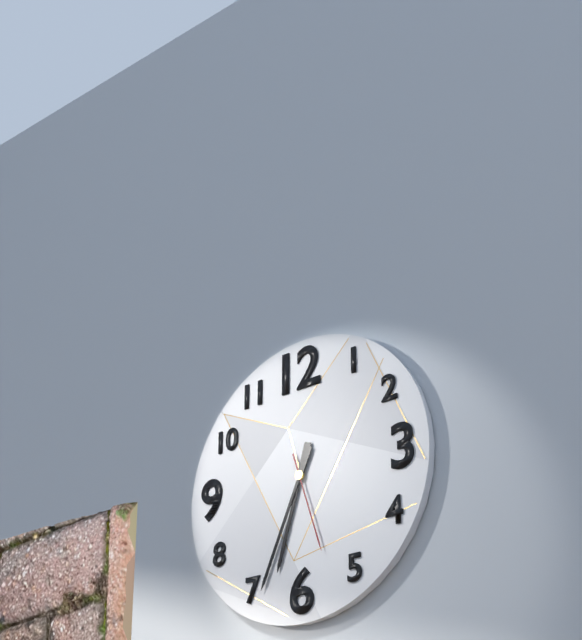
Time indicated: 6:34:27
